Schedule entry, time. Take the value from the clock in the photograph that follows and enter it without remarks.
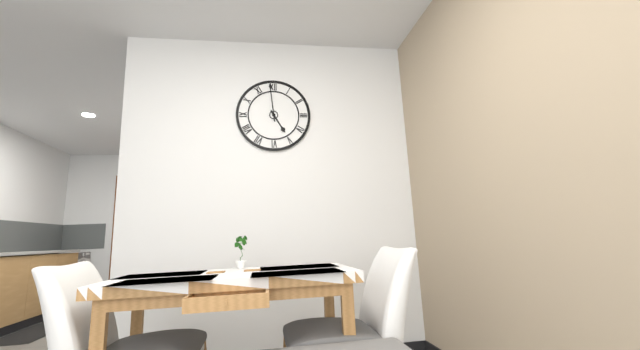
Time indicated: 4:59
